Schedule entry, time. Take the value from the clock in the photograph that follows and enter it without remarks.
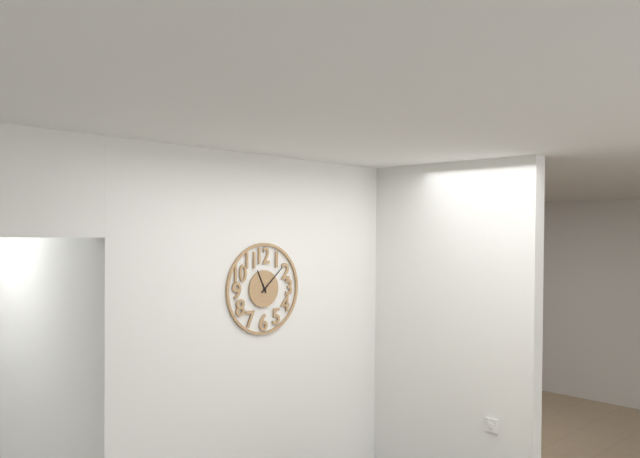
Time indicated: 11:08
